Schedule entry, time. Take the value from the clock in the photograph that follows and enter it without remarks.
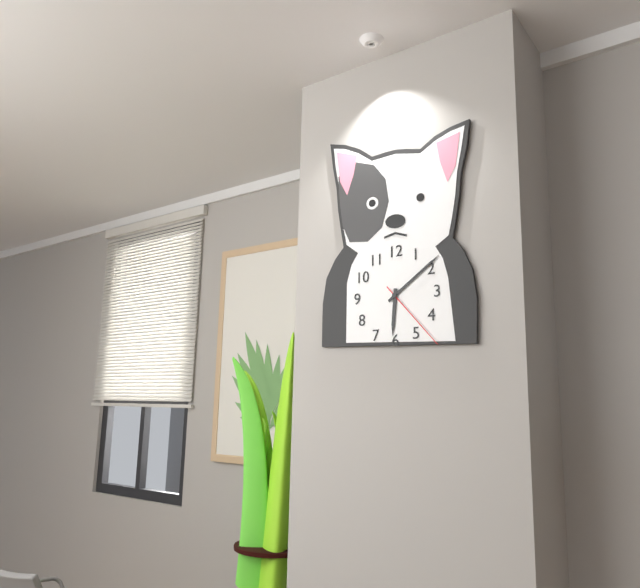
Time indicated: 6:09:23
